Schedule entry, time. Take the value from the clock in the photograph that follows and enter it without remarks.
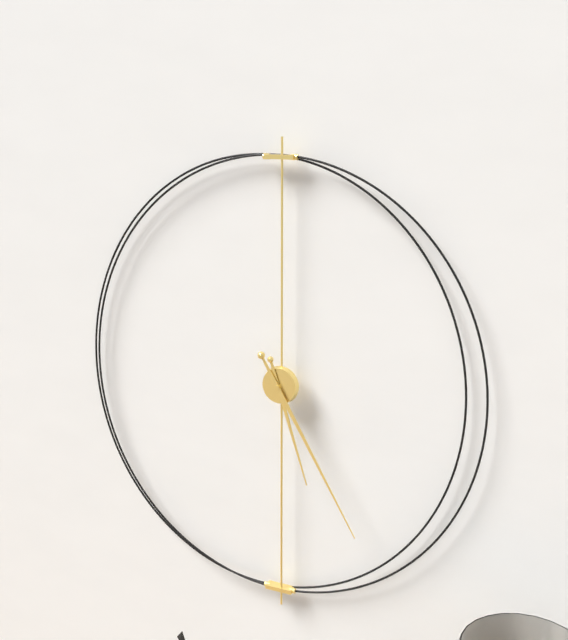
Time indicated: 5:25
